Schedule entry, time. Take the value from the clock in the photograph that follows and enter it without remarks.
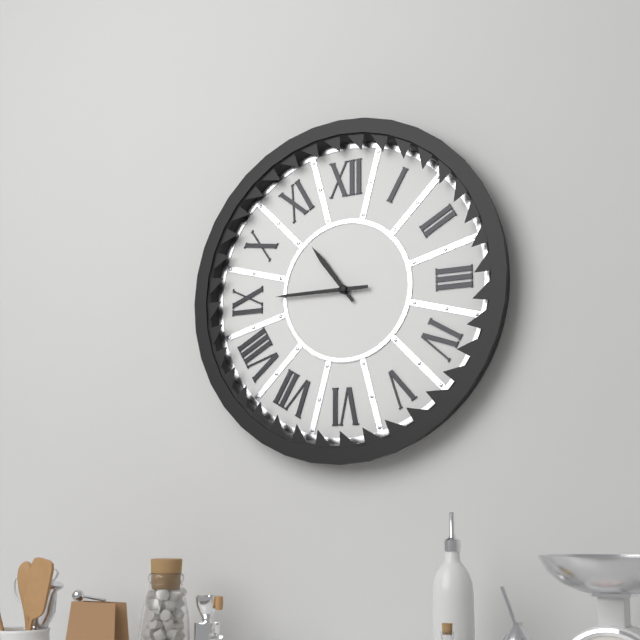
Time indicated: 10:45
